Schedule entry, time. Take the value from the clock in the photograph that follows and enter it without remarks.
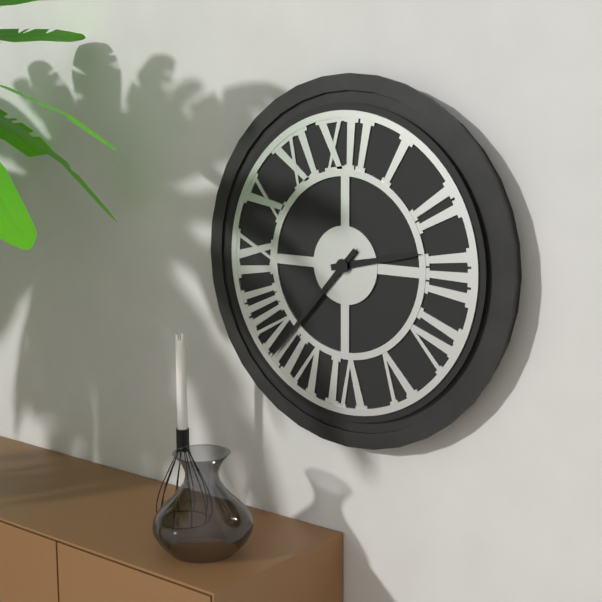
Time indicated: 2:37
